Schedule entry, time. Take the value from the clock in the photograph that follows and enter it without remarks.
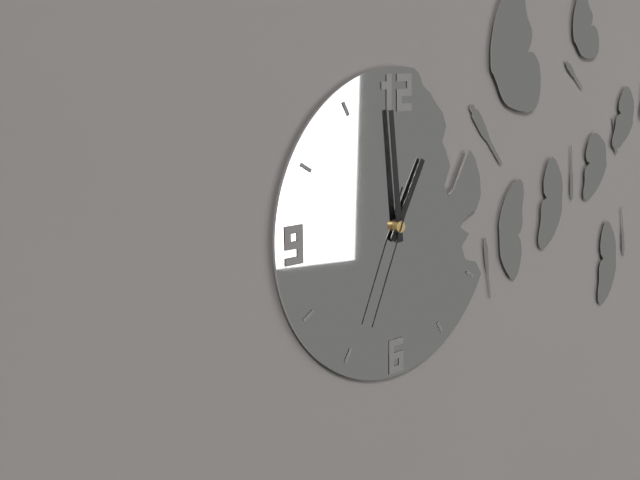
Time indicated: 12:59:34
